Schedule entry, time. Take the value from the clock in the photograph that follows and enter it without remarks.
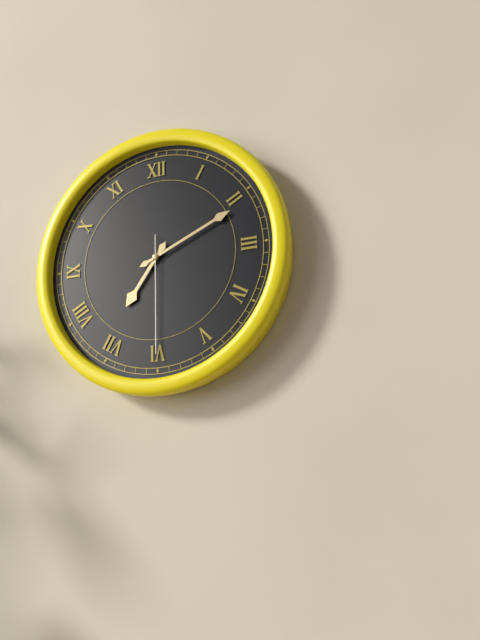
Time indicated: 7:11:30
